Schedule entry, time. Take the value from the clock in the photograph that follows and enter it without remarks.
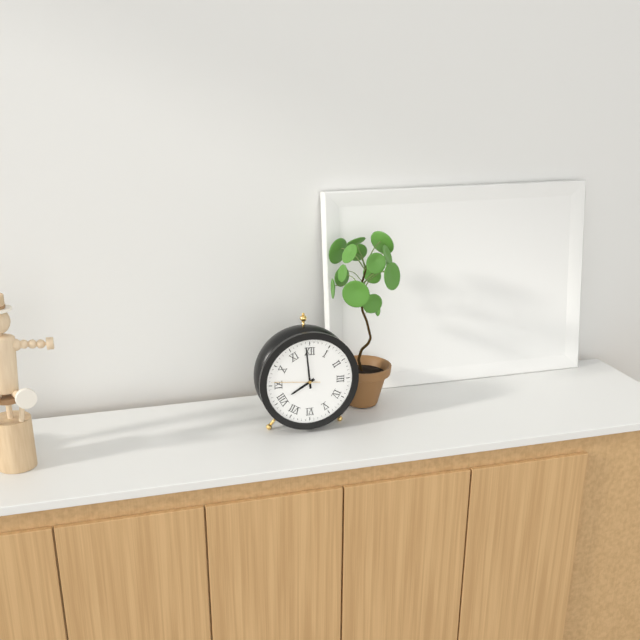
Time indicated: 7:59
